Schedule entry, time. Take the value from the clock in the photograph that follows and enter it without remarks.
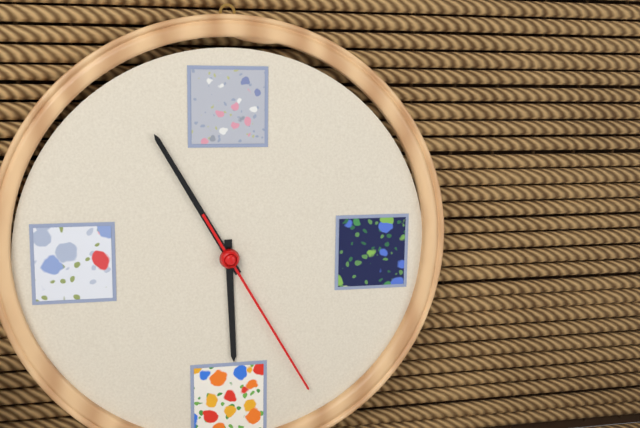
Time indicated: 5:55:25
